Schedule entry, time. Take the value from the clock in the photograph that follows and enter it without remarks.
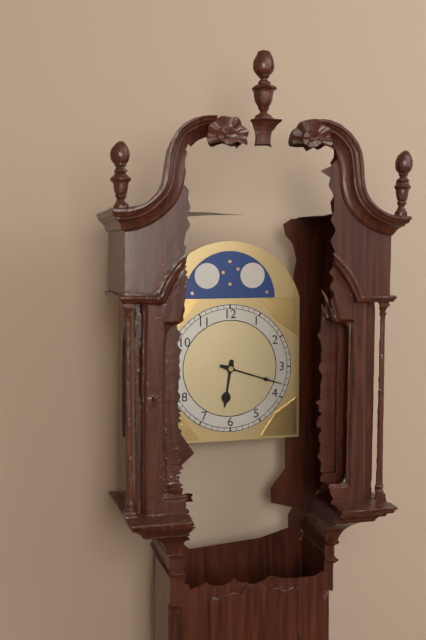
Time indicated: 6:18
